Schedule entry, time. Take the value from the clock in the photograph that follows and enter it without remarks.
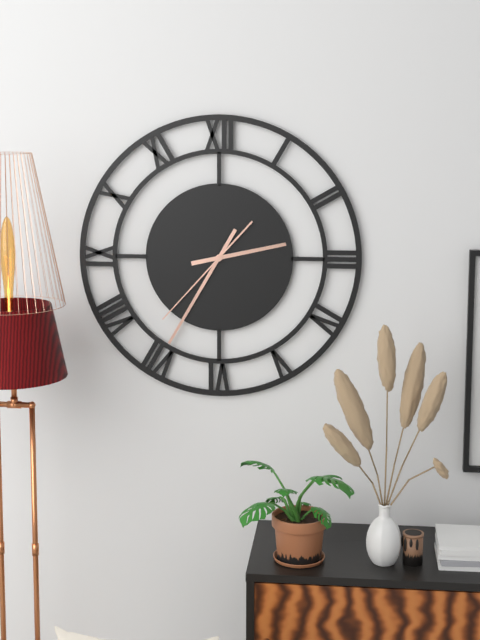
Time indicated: 2:35:37
